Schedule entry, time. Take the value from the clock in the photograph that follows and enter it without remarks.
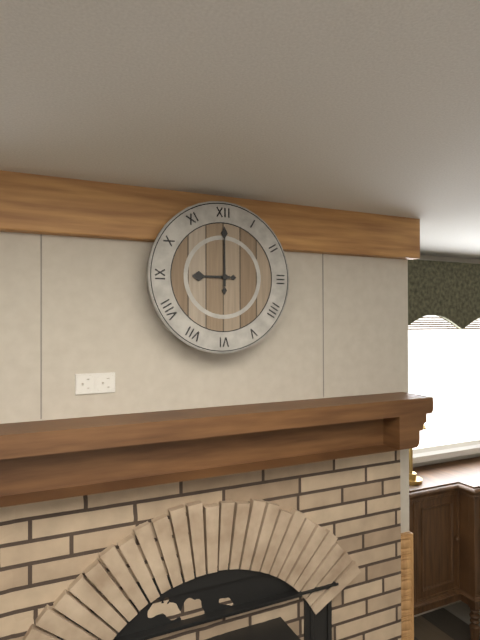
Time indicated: 9:00
